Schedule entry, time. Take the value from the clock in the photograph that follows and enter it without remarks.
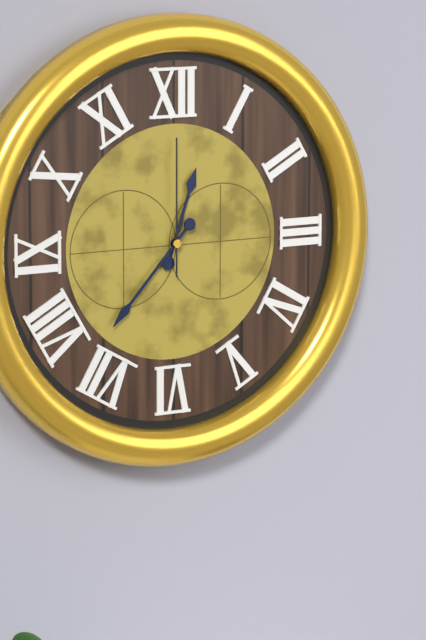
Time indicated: 12:37:00
